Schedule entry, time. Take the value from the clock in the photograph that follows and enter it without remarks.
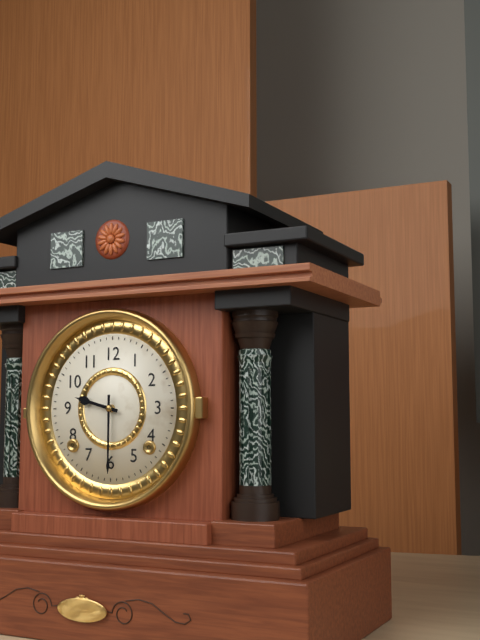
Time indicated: 9:30
